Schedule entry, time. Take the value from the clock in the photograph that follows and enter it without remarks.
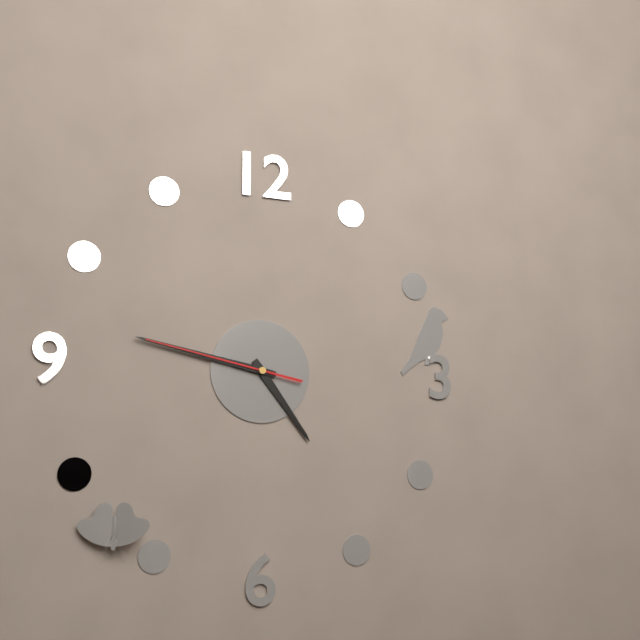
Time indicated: 4:47:47
